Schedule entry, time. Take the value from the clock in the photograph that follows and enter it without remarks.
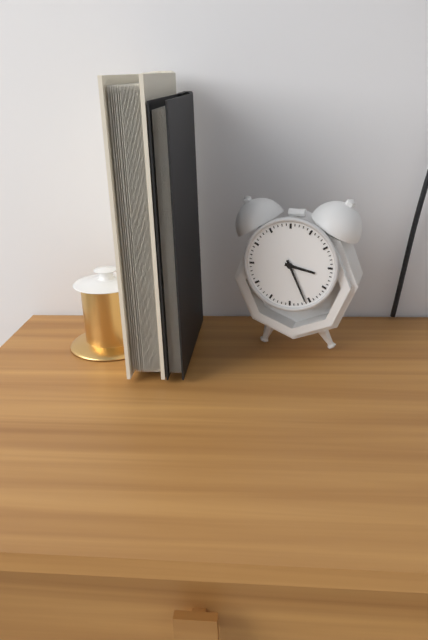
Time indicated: 3:26
